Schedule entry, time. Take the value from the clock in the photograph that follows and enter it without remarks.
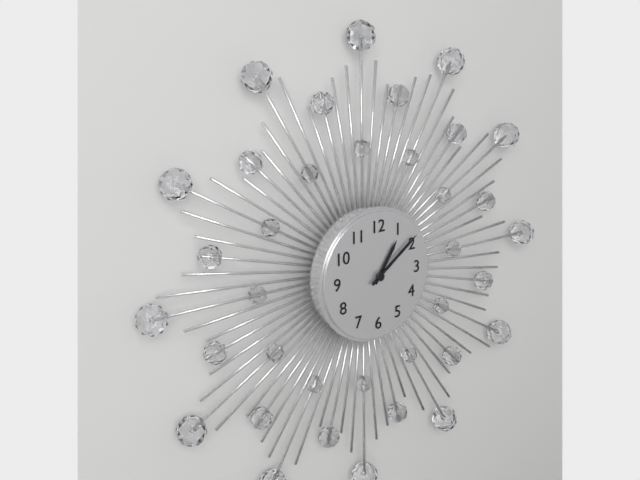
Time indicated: 1:09
